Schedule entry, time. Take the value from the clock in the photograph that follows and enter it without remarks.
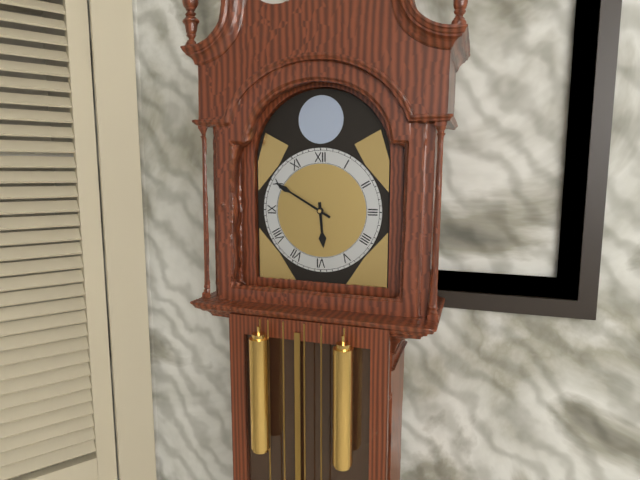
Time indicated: 5:50
